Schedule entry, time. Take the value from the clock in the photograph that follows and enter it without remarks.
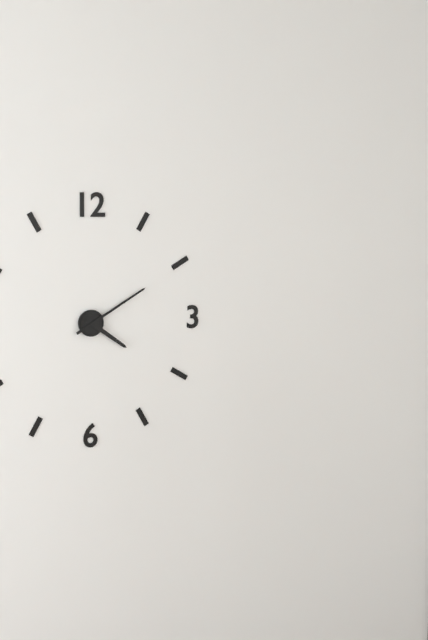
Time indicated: 4:10
